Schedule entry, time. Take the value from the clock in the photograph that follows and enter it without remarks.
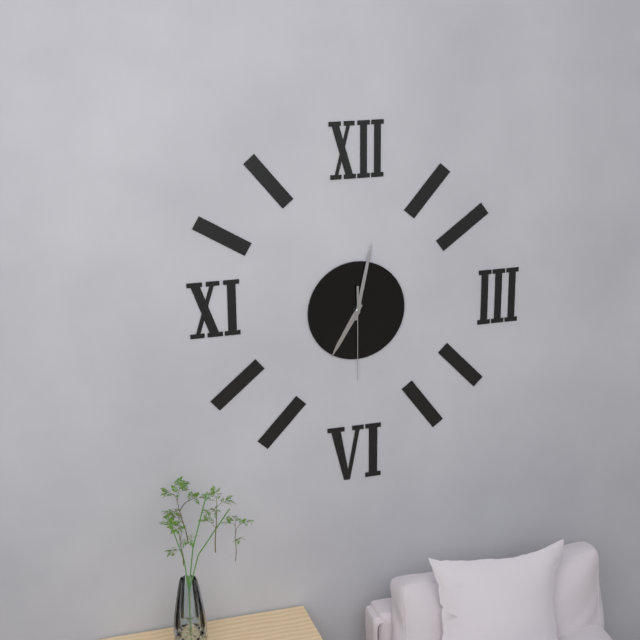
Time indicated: 7:02:30
